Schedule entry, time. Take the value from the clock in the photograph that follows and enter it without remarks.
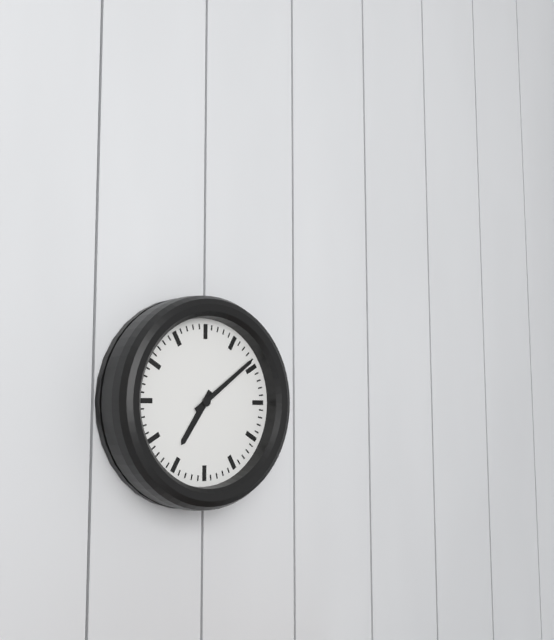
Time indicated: 7:09
